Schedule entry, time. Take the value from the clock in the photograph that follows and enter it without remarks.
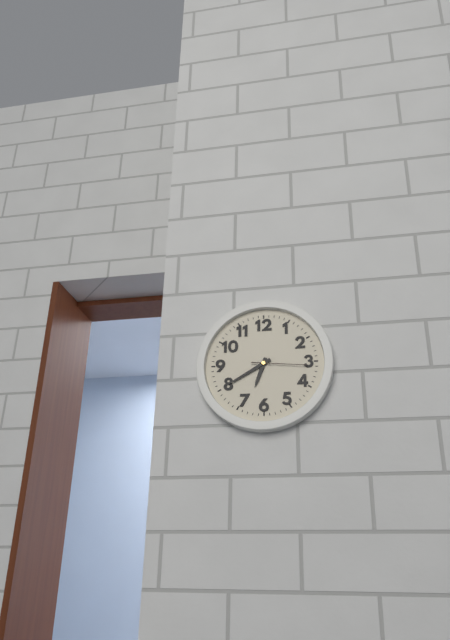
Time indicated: 6:40:16
